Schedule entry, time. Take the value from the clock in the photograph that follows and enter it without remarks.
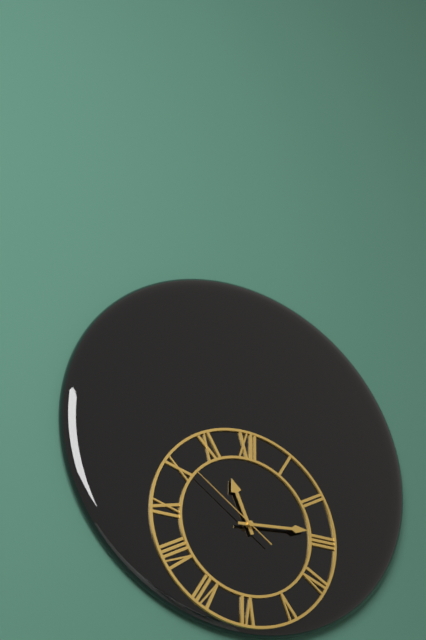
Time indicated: 11:14:51
